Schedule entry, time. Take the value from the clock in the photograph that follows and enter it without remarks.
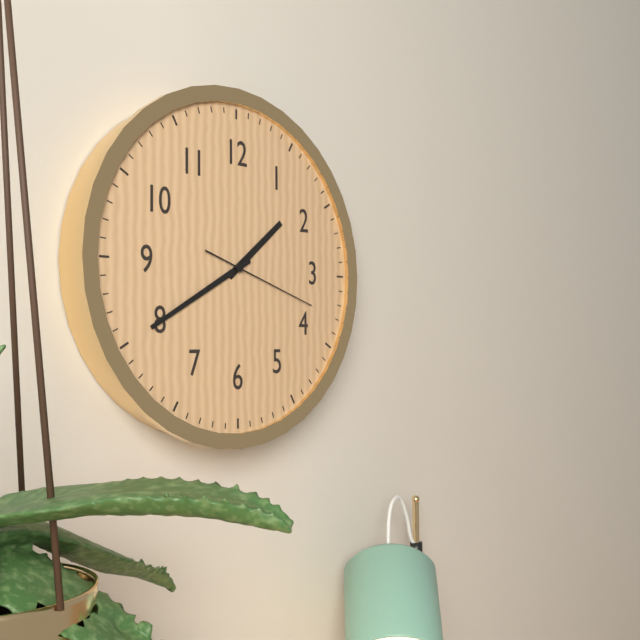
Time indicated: 1:40:18
